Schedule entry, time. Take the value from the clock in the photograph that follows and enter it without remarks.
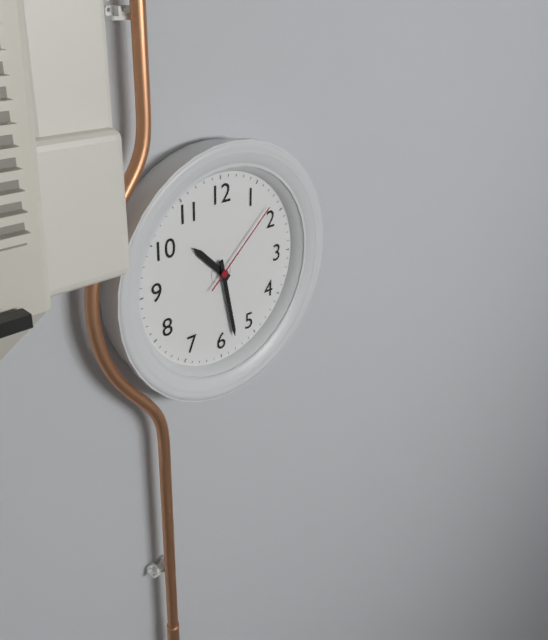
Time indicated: 10:28:08
